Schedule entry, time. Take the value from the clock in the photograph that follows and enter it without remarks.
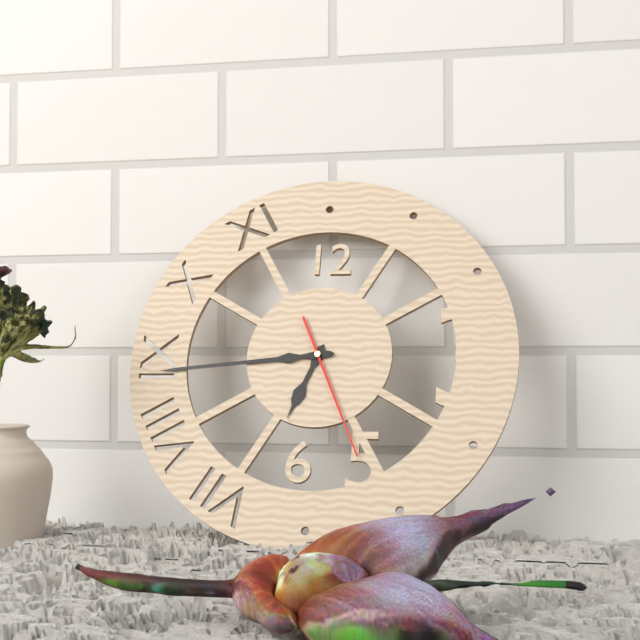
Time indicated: 6:44:26
